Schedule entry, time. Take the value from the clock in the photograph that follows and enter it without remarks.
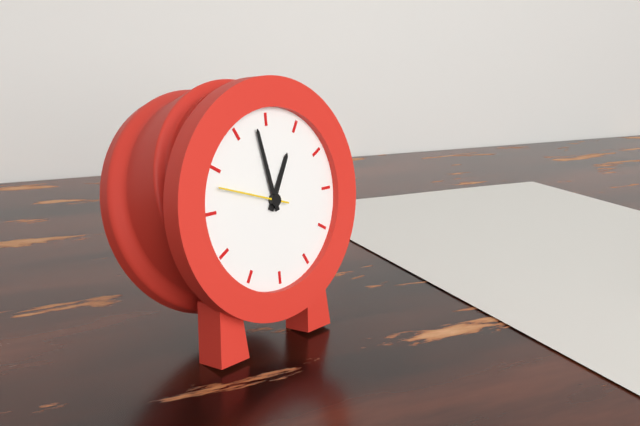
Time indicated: 12:58:48
